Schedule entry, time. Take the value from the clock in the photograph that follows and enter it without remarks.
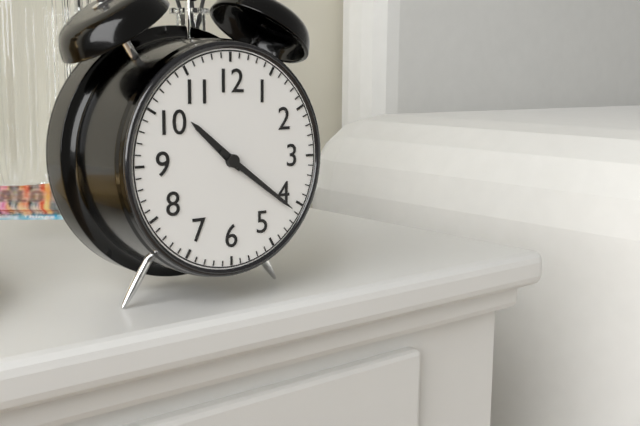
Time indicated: 10:21
